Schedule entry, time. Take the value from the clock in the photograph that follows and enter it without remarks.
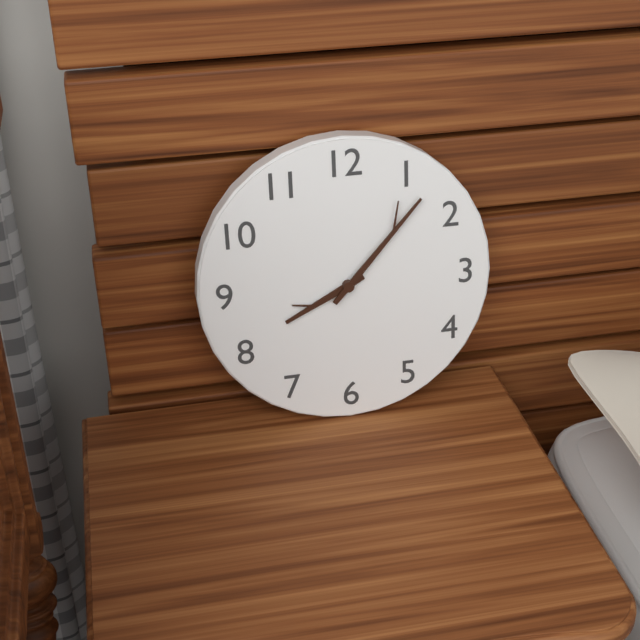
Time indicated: 8:07
